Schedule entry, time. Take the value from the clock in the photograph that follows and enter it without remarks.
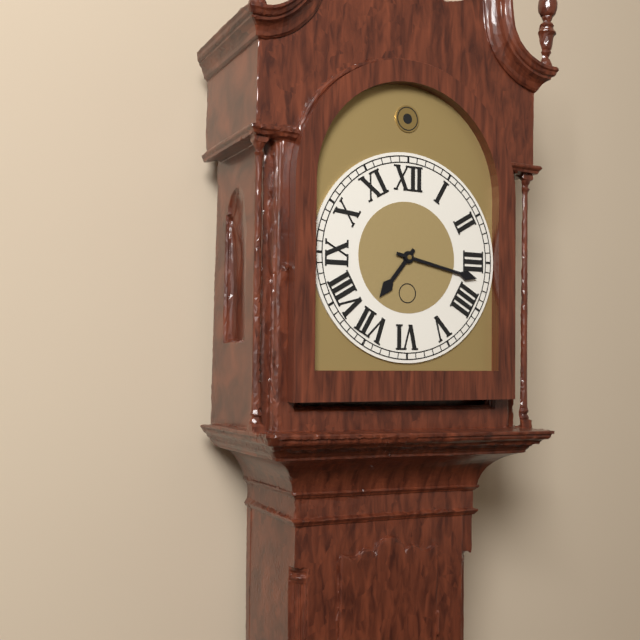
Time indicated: 7:17
